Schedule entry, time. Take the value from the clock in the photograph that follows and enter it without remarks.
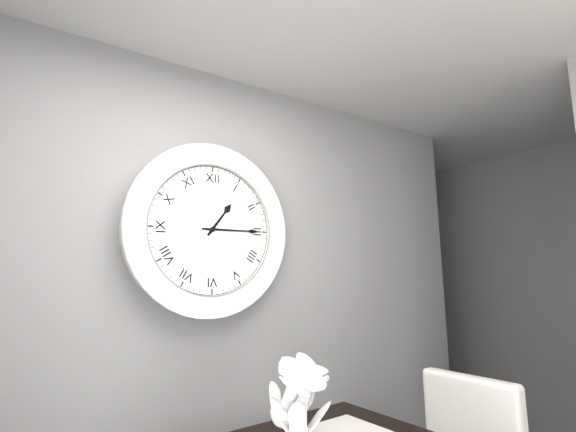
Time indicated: 1:15
